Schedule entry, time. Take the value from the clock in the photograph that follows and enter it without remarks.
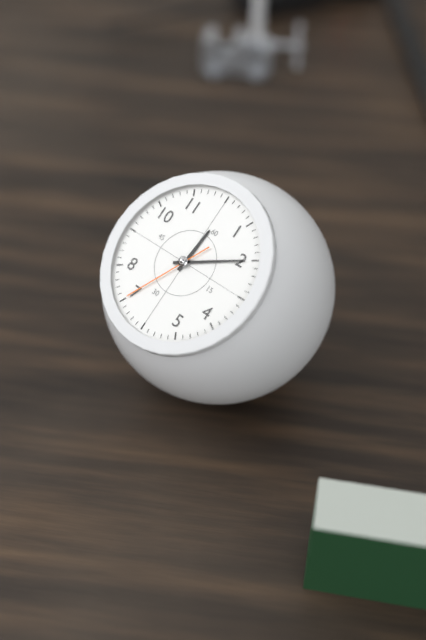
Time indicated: 12:10:35
